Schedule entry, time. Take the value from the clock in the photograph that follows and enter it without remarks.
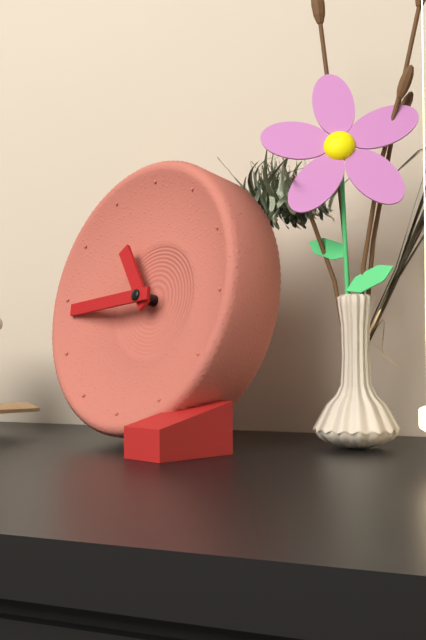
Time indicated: 10:44
